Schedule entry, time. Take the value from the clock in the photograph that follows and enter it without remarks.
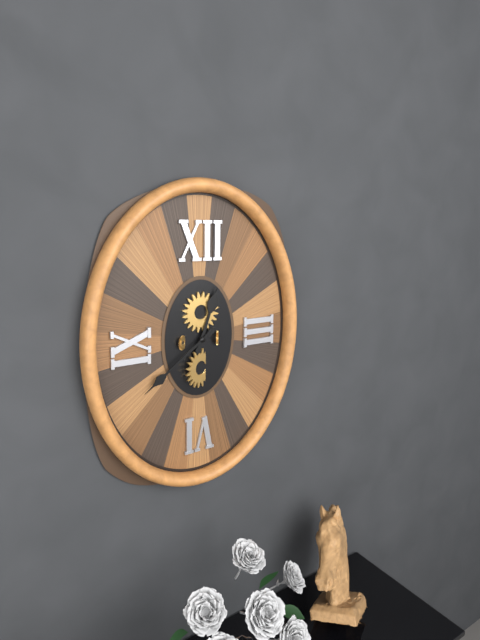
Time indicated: 12:39
